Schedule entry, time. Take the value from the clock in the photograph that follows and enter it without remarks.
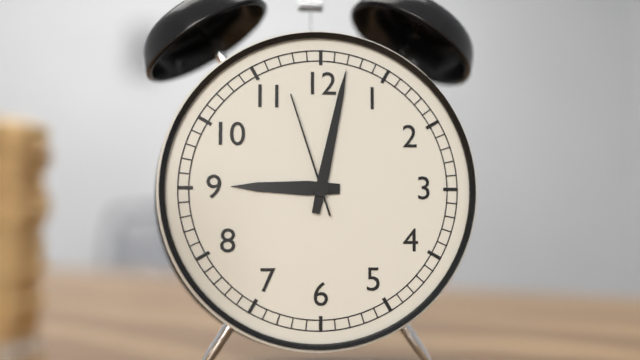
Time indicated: 9:02:57
